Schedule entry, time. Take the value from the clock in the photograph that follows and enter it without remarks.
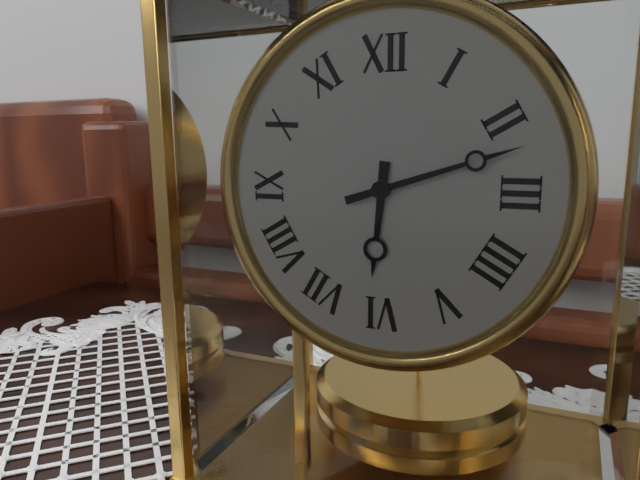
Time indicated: 6:12
